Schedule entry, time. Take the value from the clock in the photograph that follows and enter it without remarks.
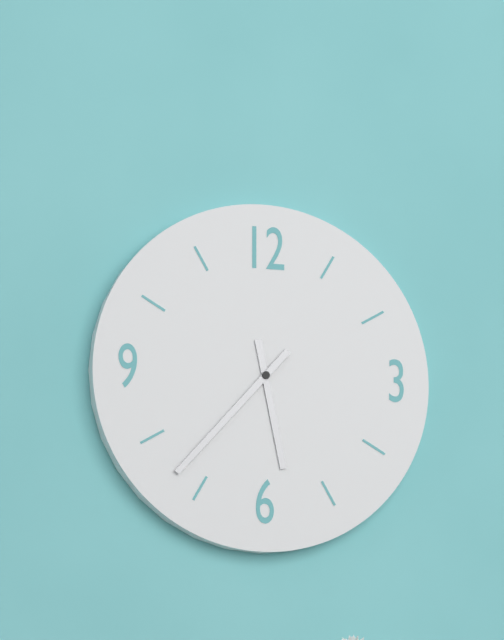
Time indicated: 5:37
